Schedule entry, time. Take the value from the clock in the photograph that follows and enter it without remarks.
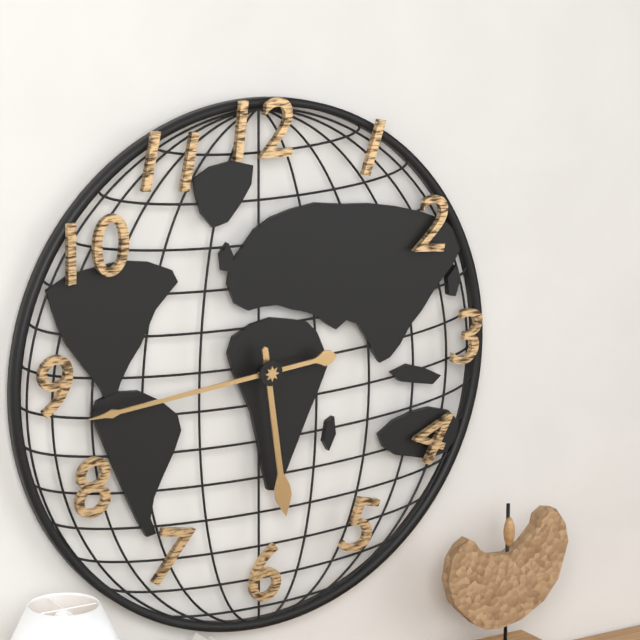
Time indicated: 5:44
